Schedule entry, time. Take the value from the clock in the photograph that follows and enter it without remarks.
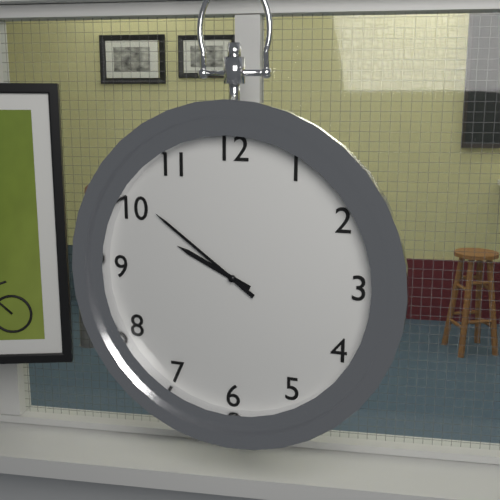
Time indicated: 9:51
